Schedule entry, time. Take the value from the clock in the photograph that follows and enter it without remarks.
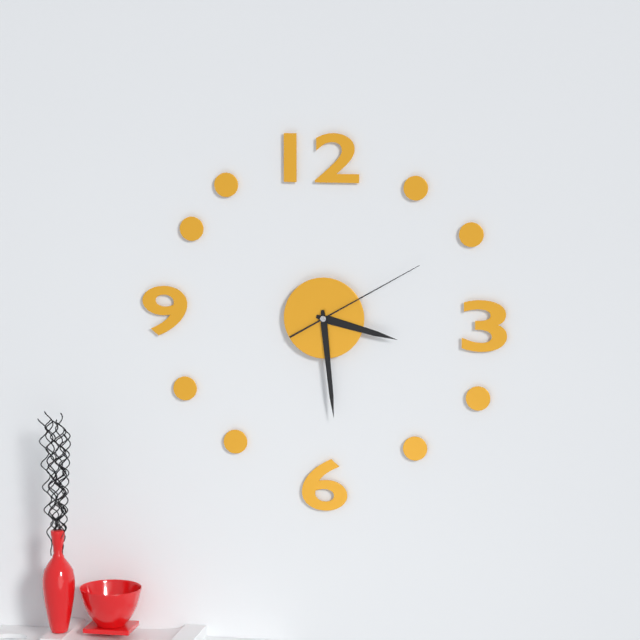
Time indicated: 3:29:10
